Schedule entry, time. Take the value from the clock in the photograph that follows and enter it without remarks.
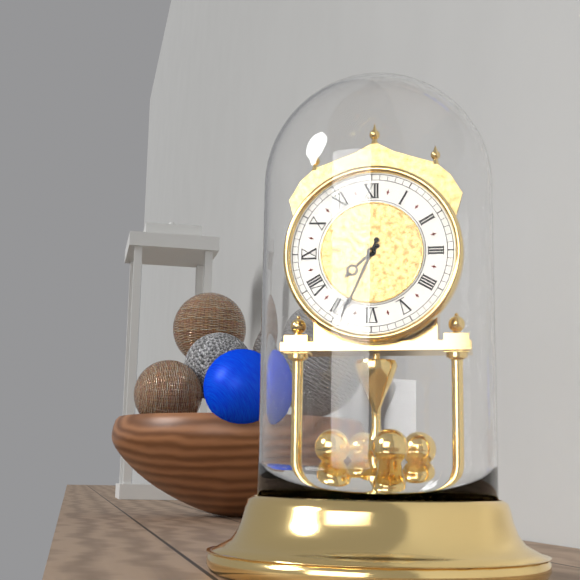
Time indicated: 7:34
